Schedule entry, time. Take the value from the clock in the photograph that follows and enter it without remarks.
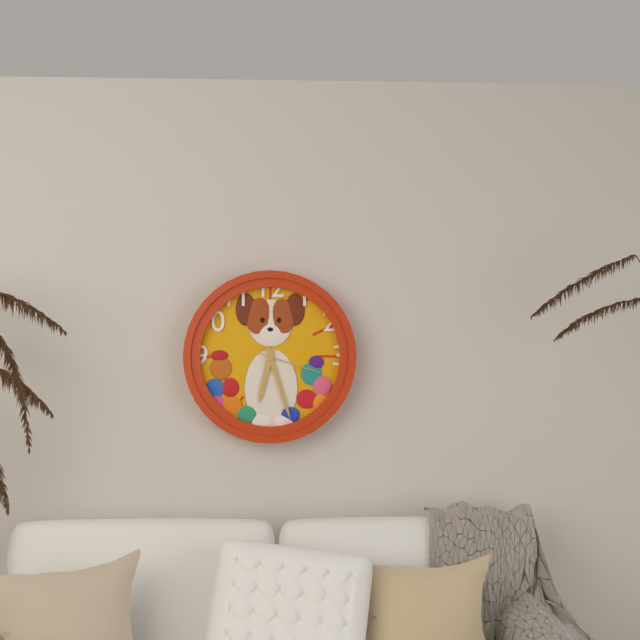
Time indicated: 6:27:18
